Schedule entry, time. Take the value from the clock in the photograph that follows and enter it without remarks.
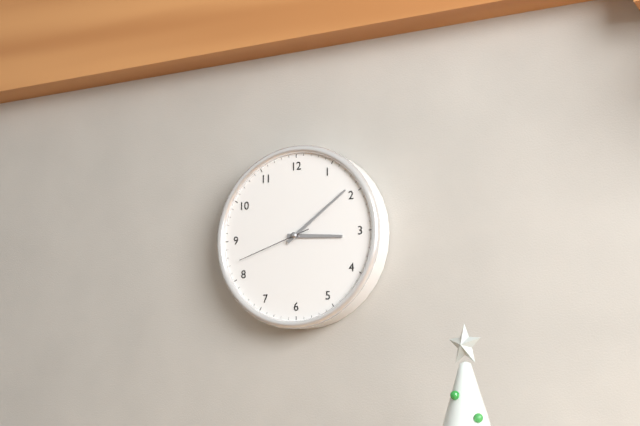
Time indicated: 3:09:42
